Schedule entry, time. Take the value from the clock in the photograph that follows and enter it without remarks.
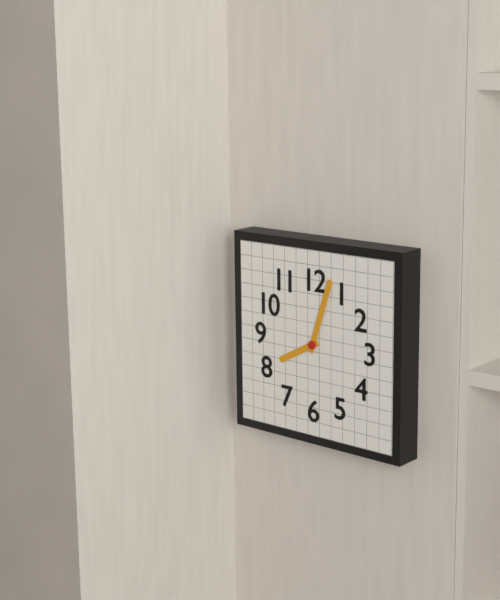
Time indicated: 8:03
